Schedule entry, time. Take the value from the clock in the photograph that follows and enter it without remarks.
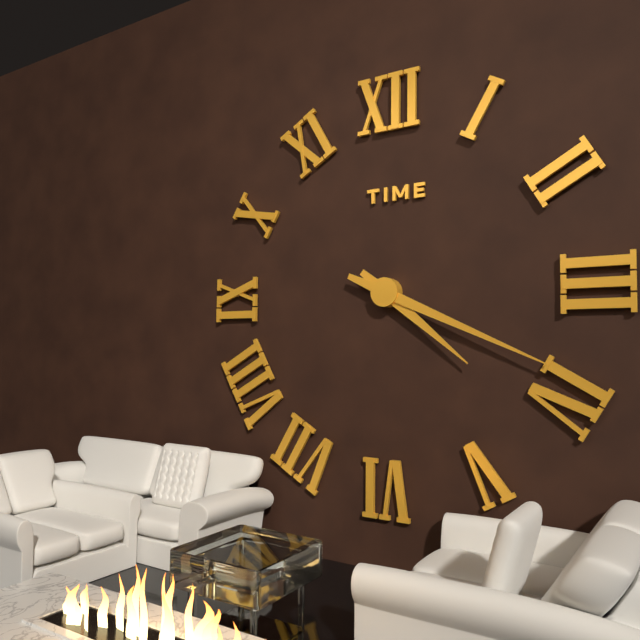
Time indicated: 4:19
